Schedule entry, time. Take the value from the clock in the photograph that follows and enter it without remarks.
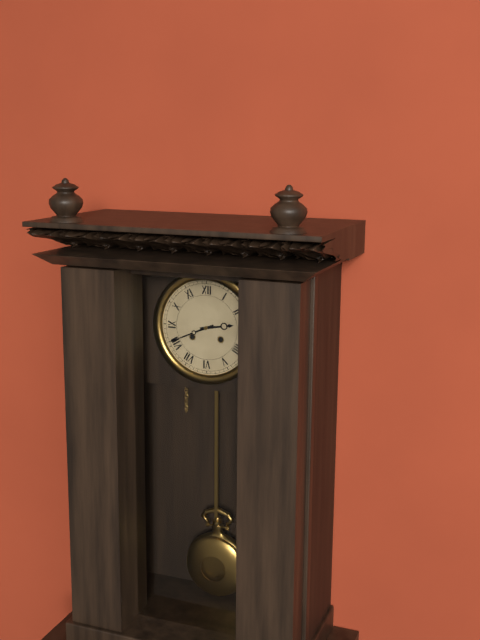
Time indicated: 2:41
